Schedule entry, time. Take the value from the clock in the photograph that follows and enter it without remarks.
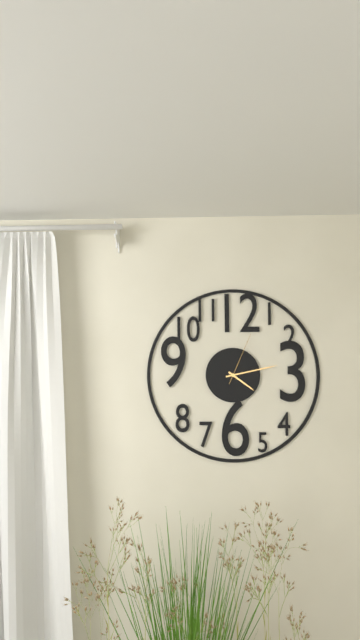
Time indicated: 4:13:04
